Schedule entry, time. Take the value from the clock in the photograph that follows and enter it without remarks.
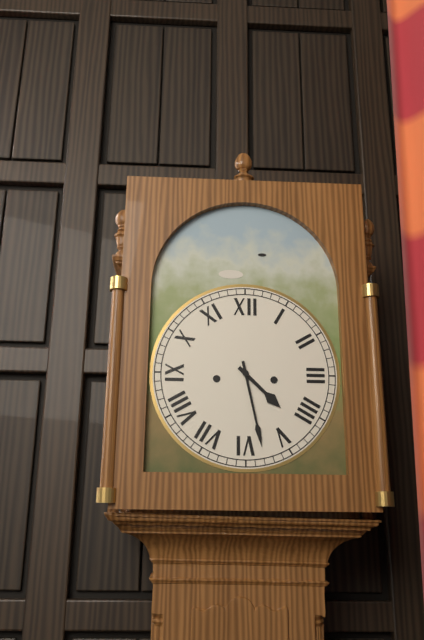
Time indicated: 4:28
